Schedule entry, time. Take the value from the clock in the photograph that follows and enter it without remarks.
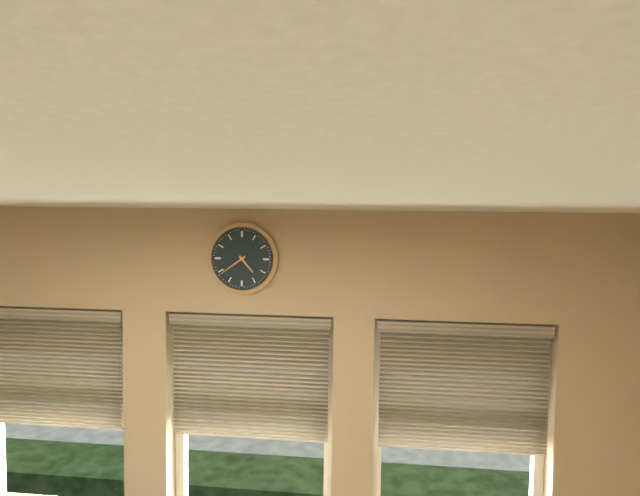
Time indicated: 4:39
